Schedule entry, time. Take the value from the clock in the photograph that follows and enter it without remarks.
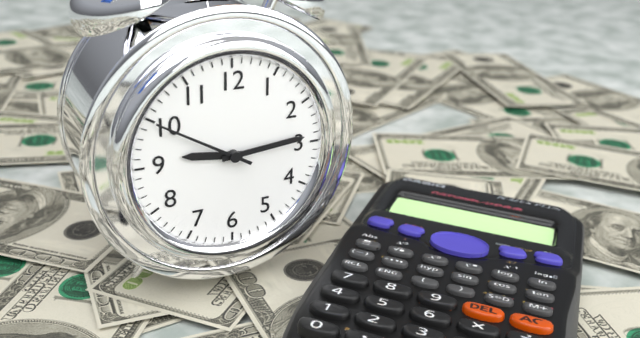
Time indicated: 9:14:50
